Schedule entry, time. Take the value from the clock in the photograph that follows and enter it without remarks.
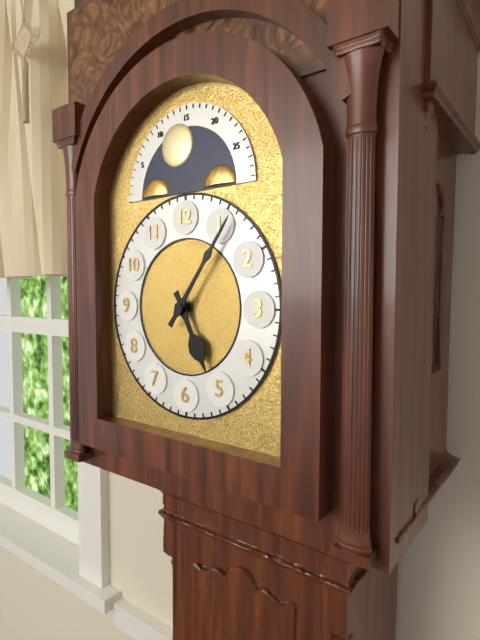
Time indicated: 5:06
